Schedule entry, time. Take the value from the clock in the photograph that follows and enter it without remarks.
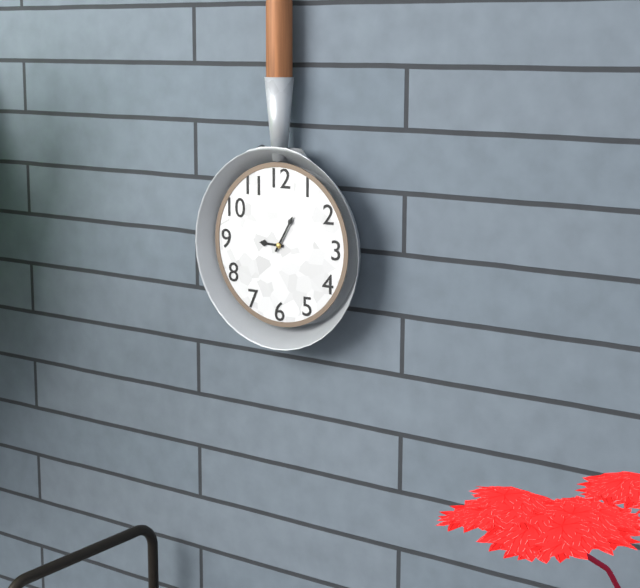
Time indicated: 9:05
